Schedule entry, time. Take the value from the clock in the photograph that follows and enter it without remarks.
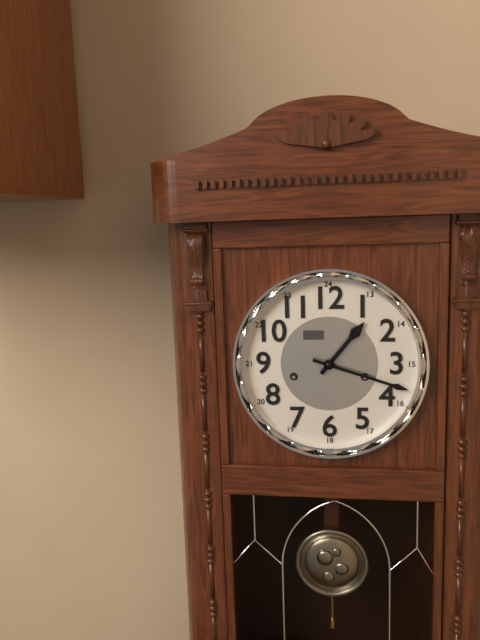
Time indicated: 1:18
